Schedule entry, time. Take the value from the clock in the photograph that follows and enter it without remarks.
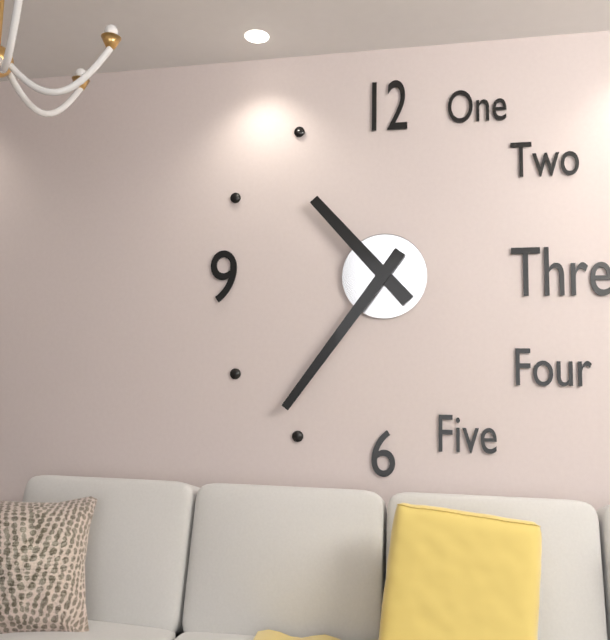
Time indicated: 10:36
